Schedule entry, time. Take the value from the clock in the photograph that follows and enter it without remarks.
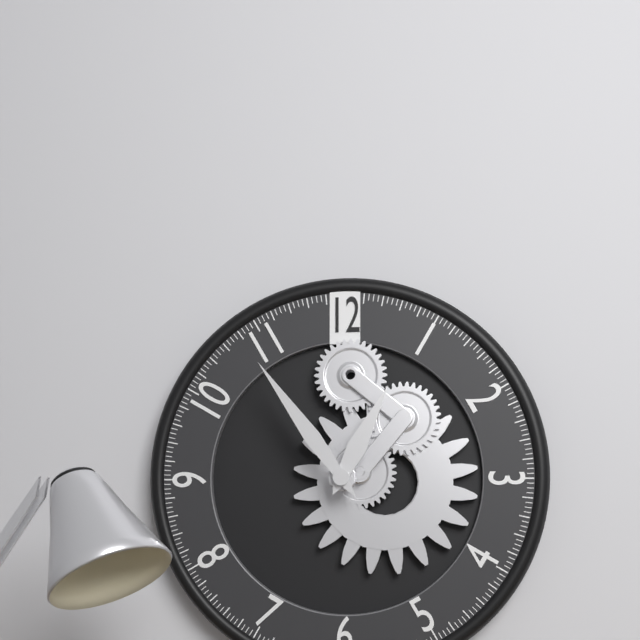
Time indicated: 12:54
